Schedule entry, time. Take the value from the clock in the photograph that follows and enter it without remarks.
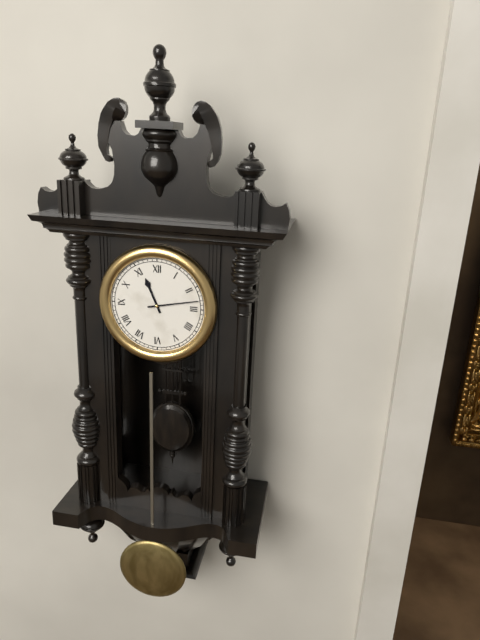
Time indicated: 11:13
